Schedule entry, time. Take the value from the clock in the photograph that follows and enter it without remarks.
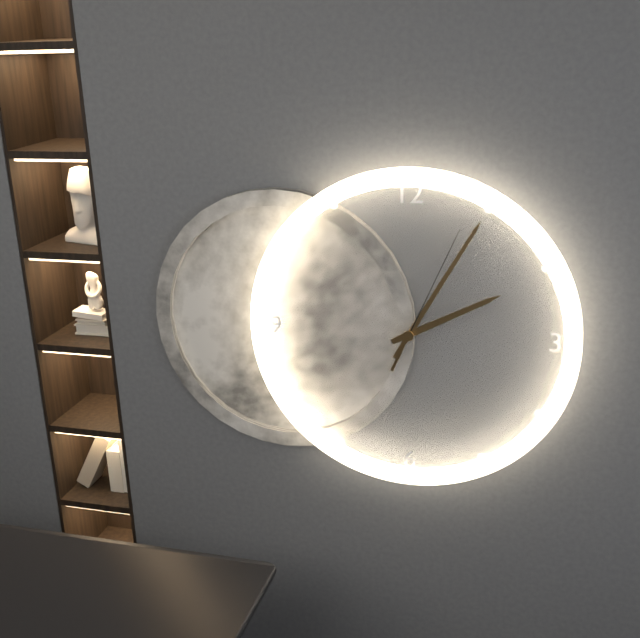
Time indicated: 2:05:04
